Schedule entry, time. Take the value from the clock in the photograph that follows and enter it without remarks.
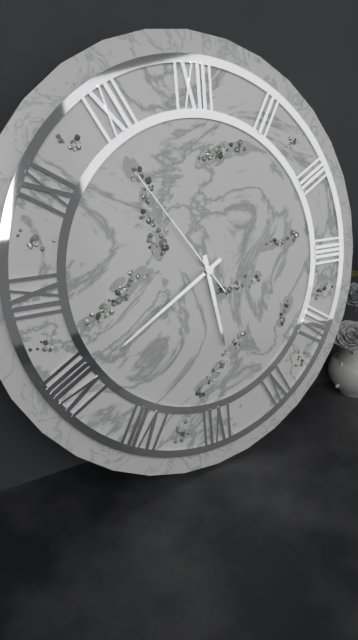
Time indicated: 5:40:54
